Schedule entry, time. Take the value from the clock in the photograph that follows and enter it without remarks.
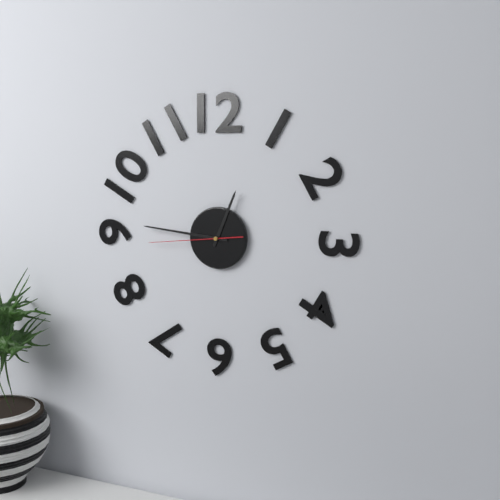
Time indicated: 12:46:44
